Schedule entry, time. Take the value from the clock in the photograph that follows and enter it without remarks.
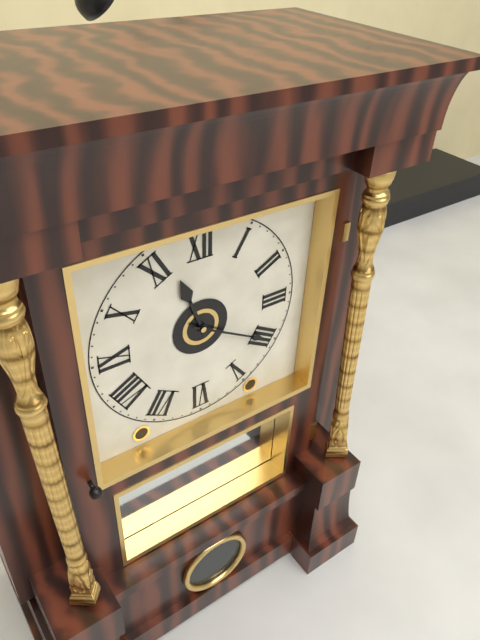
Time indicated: 11:20
